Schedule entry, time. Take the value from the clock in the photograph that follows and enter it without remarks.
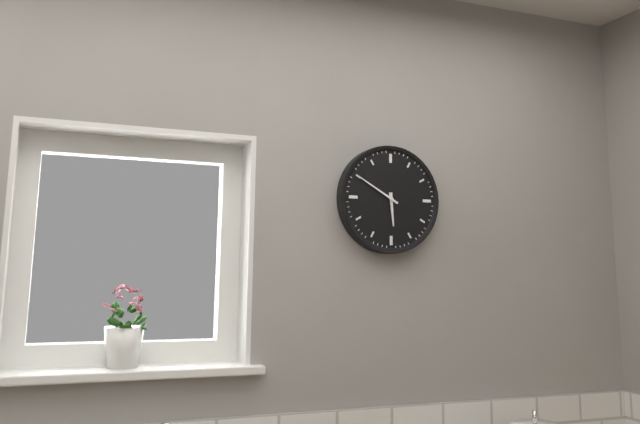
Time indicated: 5:50
